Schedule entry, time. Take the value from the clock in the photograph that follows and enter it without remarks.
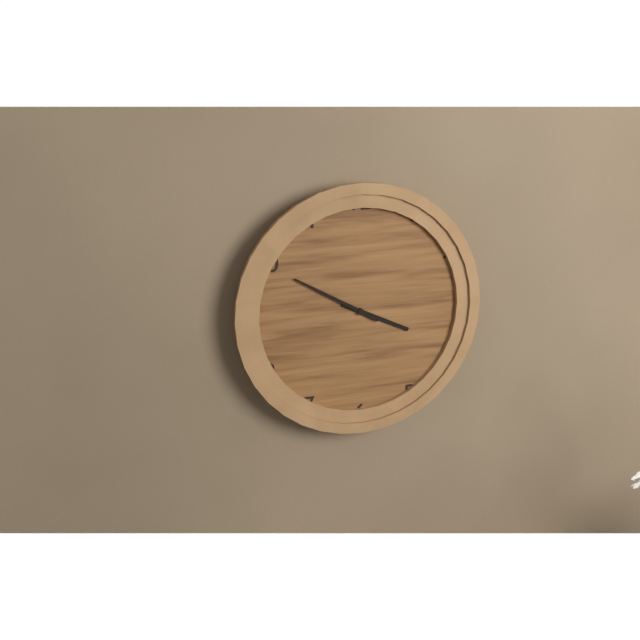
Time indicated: 3:50
